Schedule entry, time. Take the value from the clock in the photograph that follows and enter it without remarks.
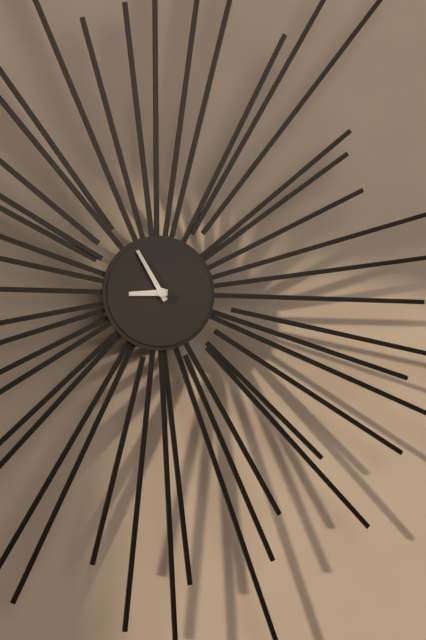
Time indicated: 8:55
